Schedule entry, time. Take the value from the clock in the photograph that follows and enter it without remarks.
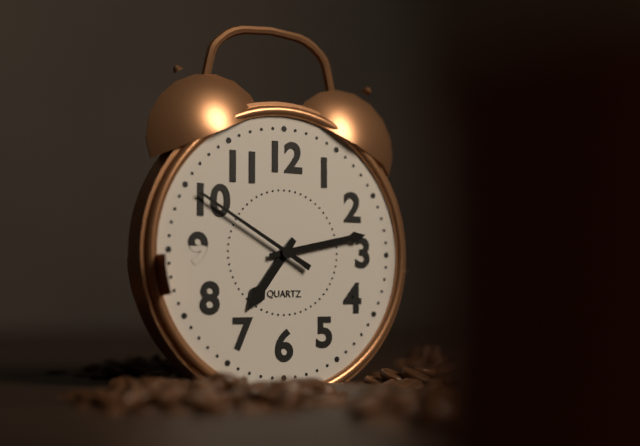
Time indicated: 7:13:50
